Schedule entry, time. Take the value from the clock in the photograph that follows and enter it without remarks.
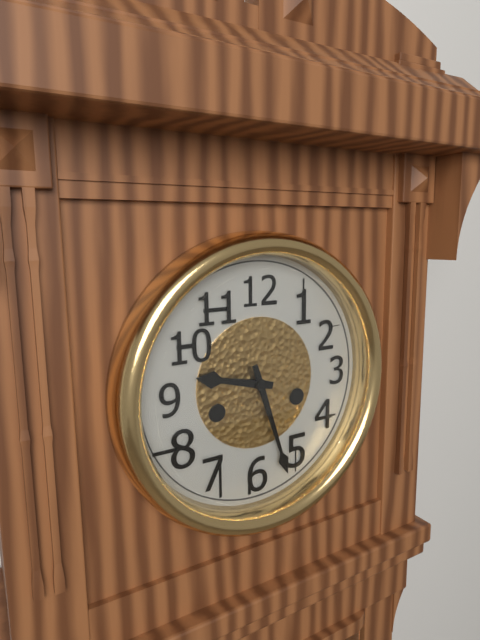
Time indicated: 9:27
